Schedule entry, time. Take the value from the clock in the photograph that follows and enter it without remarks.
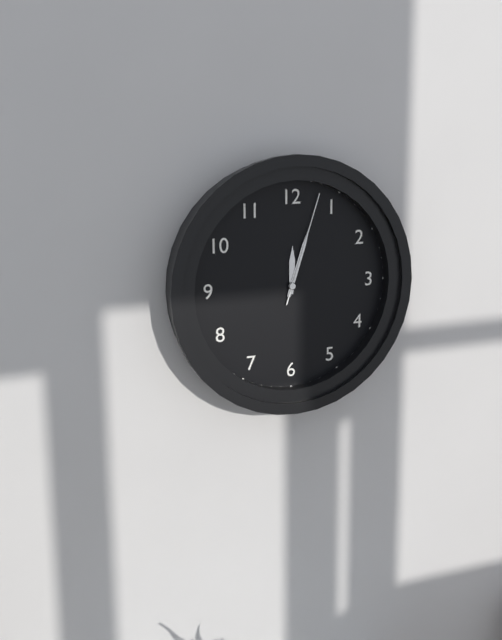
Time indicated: 12:03:03
